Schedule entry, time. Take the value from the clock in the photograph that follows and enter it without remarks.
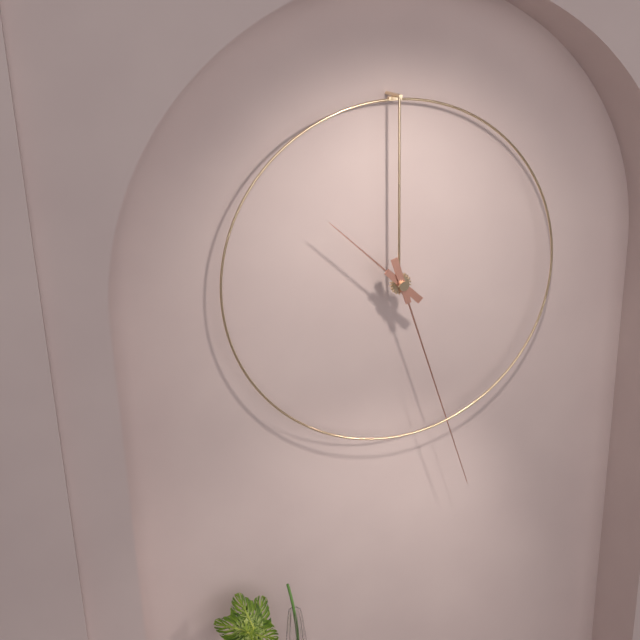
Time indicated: 10:27
